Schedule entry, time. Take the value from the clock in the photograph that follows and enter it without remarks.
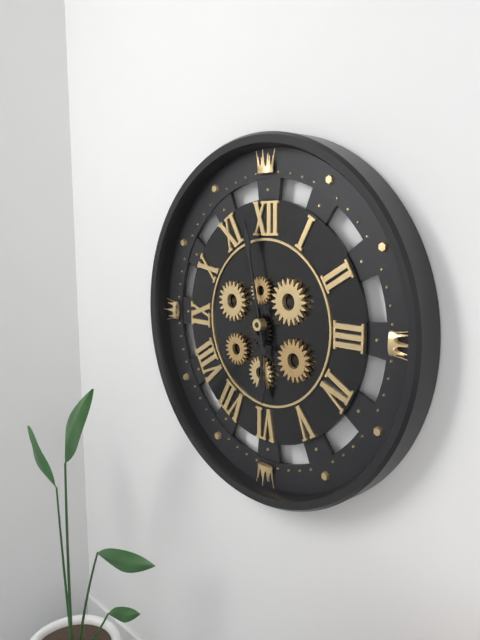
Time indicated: 5:58
